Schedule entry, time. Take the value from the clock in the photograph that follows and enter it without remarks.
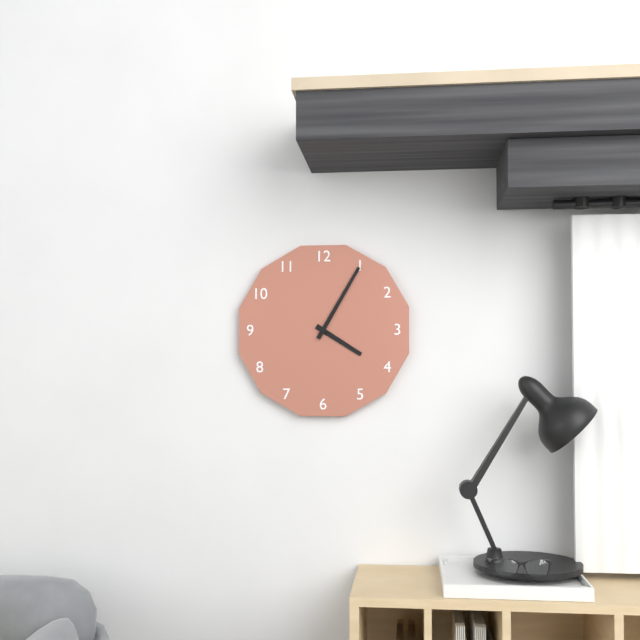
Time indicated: 4:05
